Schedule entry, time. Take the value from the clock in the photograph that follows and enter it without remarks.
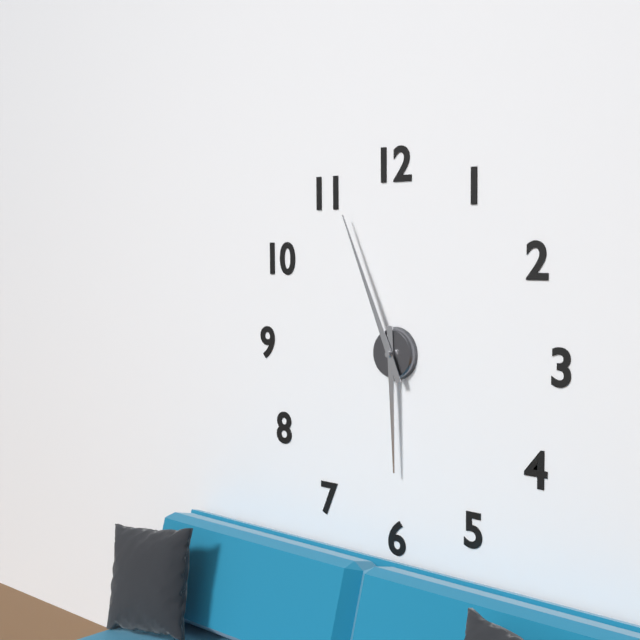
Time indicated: 5:56
